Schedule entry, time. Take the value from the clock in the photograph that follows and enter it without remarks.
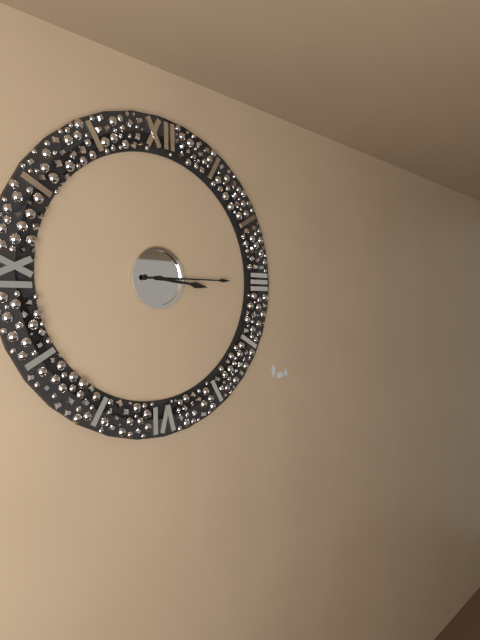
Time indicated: 3:15
